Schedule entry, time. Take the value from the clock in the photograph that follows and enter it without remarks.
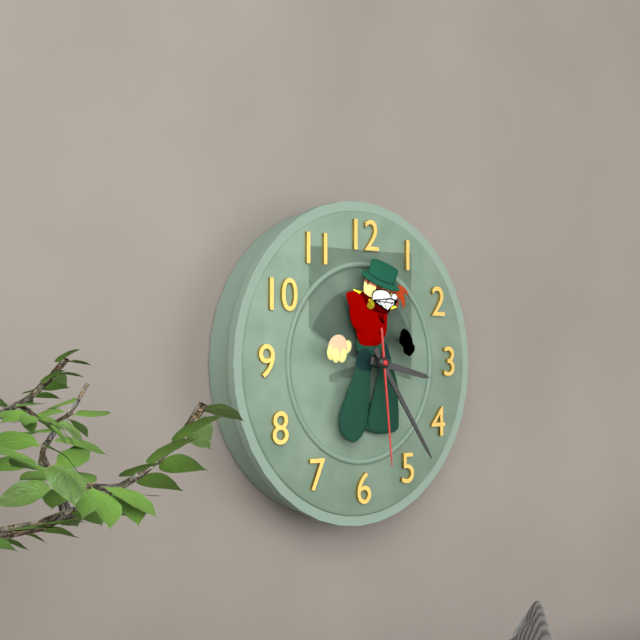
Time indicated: 3:24:29
